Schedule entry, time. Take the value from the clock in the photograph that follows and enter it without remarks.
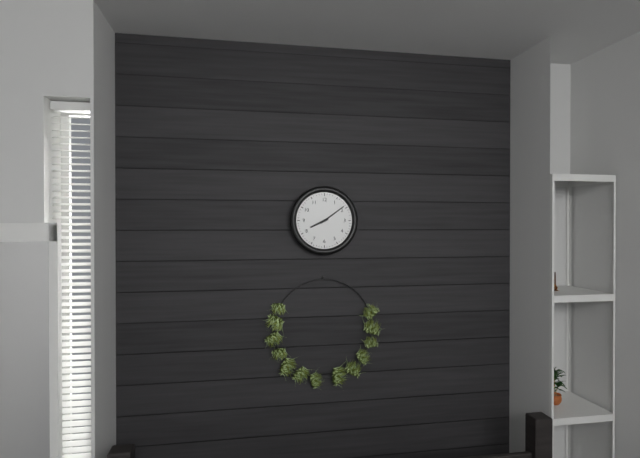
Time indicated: 8:09
